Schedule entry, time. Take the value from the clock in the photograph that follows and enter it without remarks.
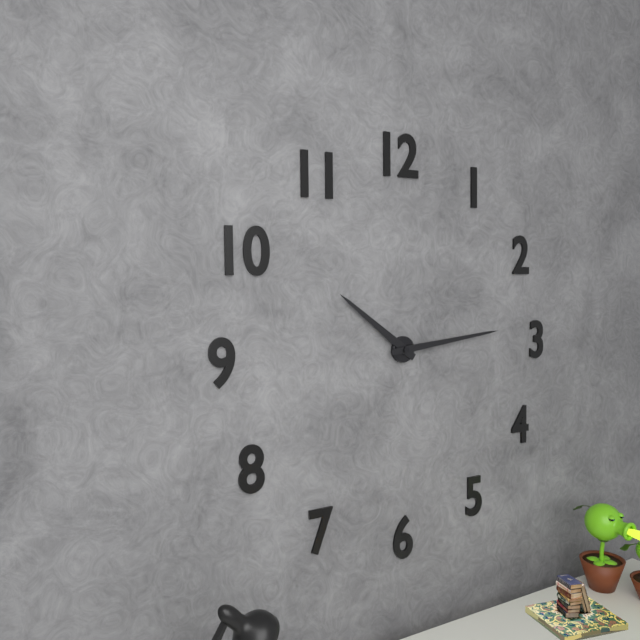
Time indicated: 10:14
